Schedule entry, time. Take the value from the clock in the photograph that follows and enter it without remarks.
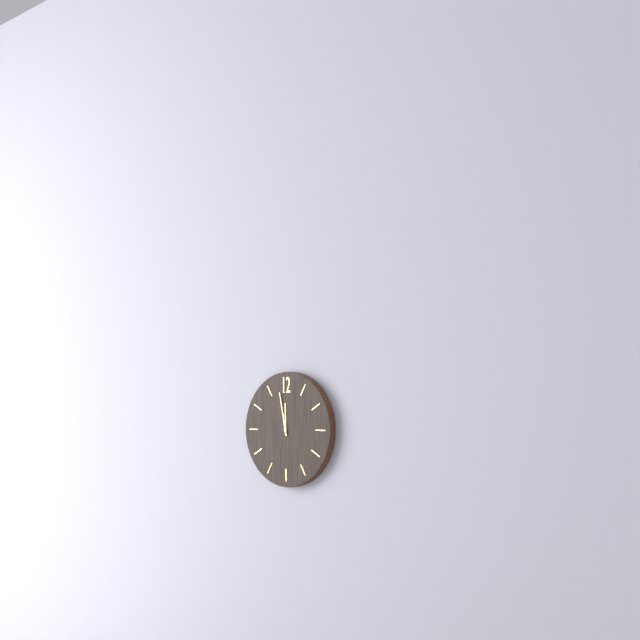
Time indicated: 11:58
